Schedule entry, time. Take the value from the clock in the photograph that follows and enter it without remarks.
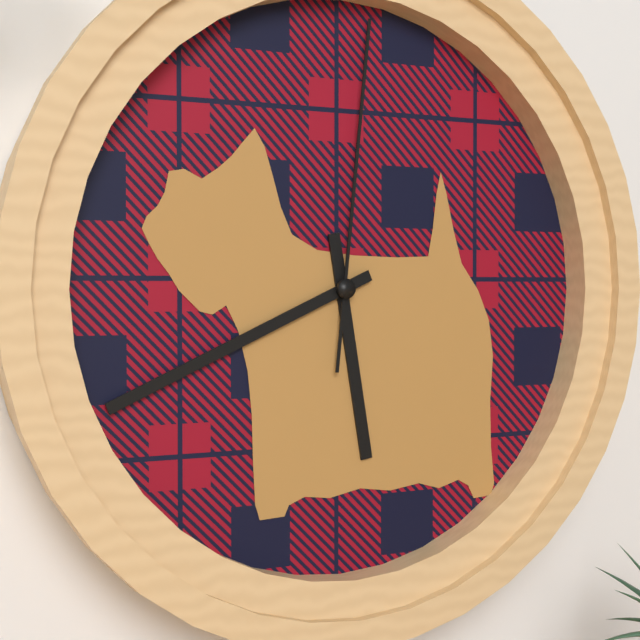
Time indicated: 5:41:01
